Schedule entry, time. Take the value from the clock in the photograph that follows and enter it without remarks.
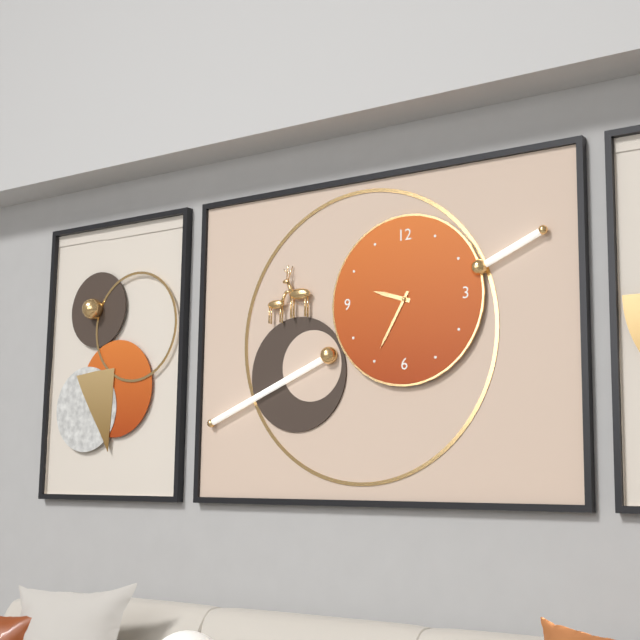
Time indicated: 9:35
